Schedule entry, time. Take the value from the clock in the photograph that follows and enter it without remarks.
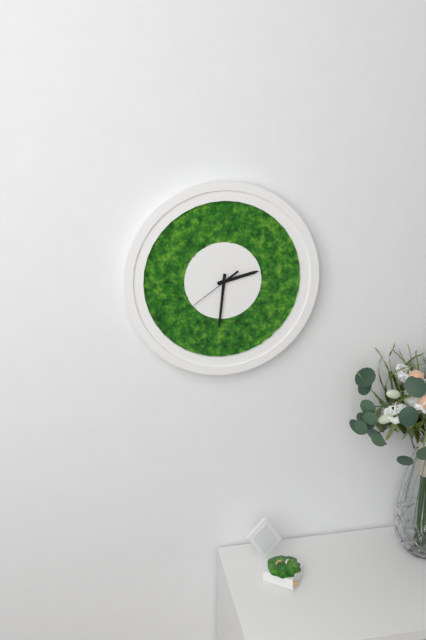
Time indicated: 2:31
